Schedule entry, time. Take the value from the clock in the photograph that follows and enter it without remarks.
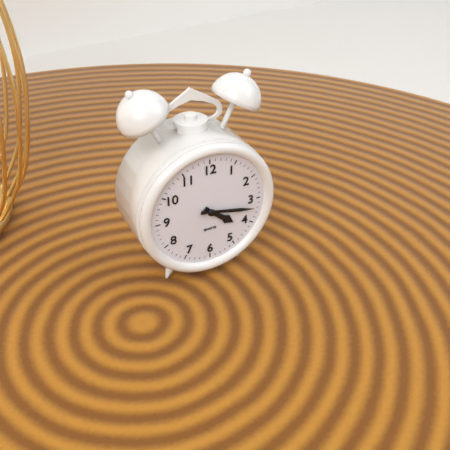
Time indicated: 4:17
